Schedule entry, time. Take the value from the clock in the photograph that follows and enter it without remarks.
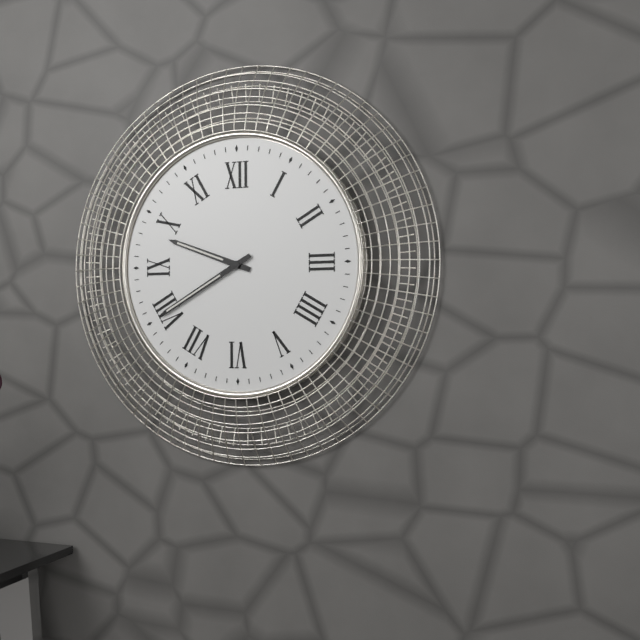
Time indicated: 9:40
